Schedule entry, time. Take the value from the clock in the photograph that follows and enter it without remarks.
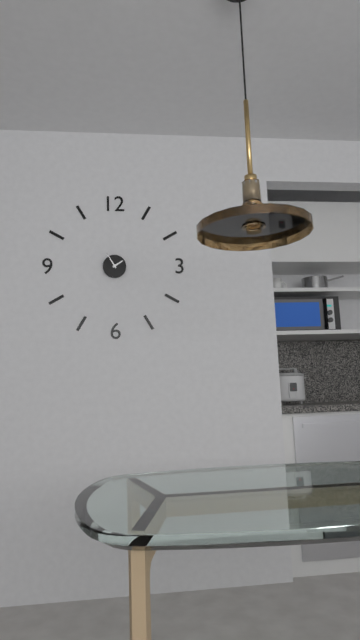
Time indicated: 1:55
